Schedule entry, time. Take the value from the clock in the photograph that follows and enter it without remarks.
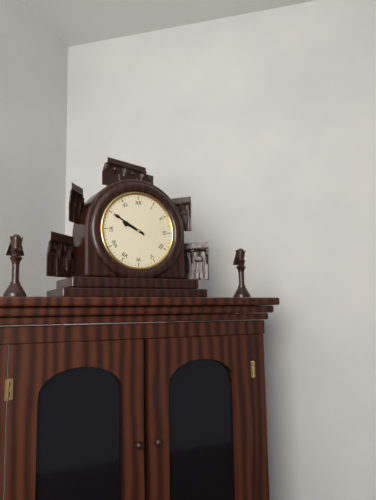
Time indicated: 9:50
